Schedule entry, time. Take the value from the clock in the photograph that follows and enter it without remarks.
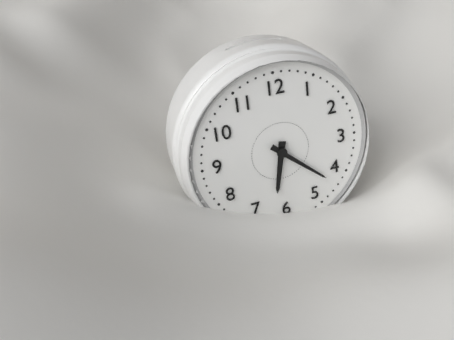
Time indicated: 6:22
